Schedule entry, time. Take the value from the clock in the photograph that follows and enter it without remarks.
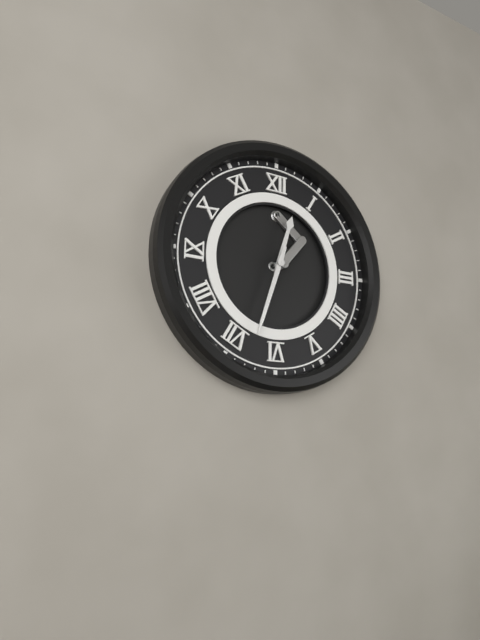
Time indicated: 12:33
